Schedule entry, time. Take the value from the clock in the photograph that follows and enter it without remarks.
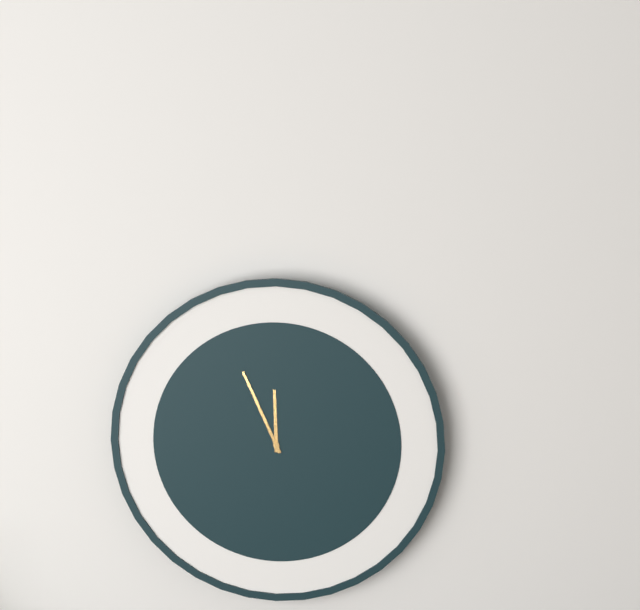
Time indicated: 11:56
